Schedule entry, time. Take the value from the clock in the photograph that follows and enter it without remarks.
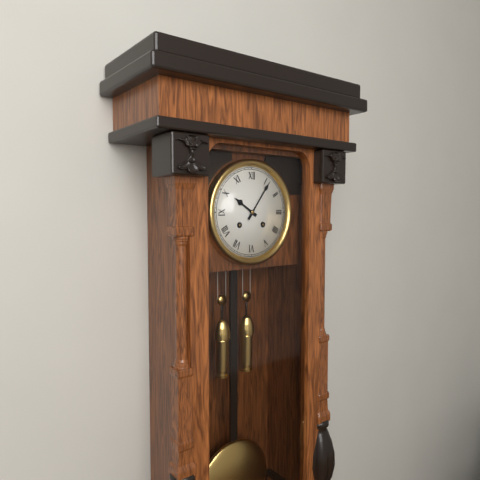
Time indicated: 10:06
